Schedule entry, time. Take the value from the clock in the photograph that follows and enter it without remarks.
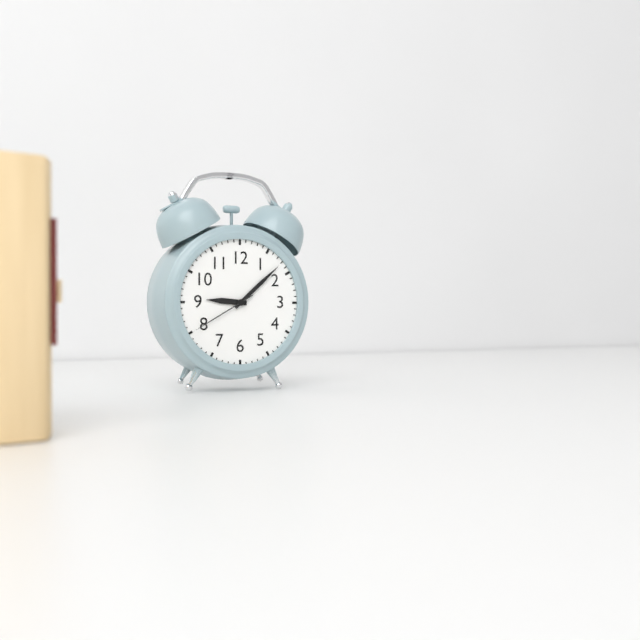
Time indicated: 9:08:40
